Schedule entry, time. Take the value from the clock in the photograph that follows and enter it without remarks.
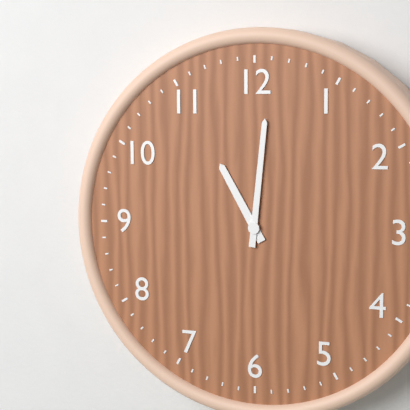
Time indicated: 11:01
